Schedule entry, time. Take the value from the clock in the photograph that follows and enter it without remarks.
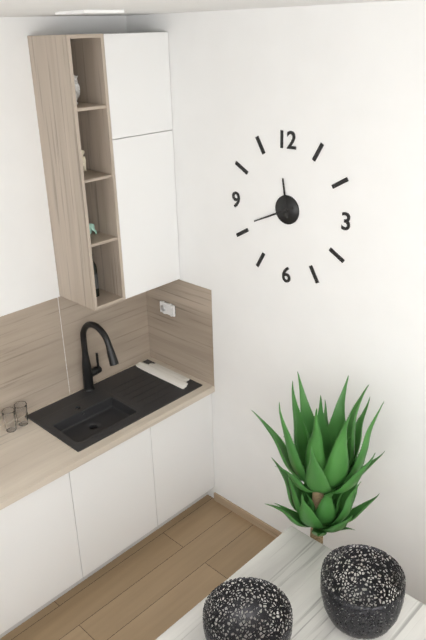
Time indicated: 11:41
